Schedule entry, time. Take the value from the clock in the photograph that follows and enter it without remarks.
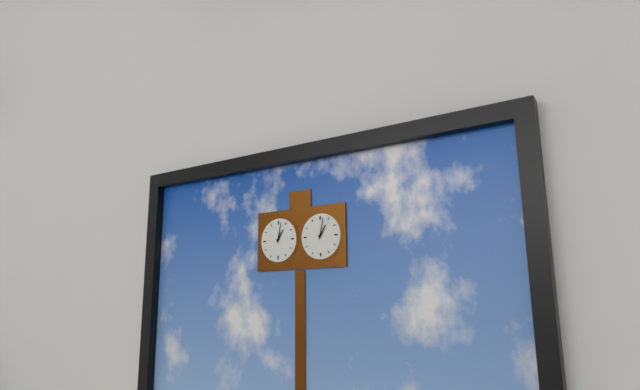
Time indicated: 1:02
